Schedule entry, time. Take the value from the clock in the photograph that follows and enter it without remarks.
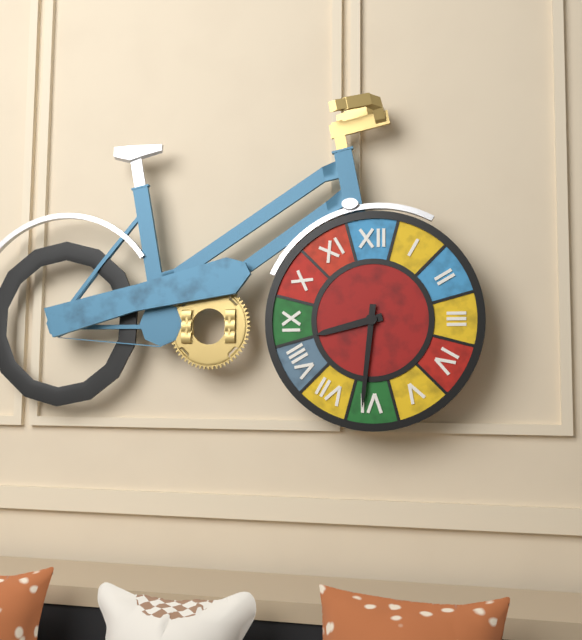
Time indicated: 8:31
